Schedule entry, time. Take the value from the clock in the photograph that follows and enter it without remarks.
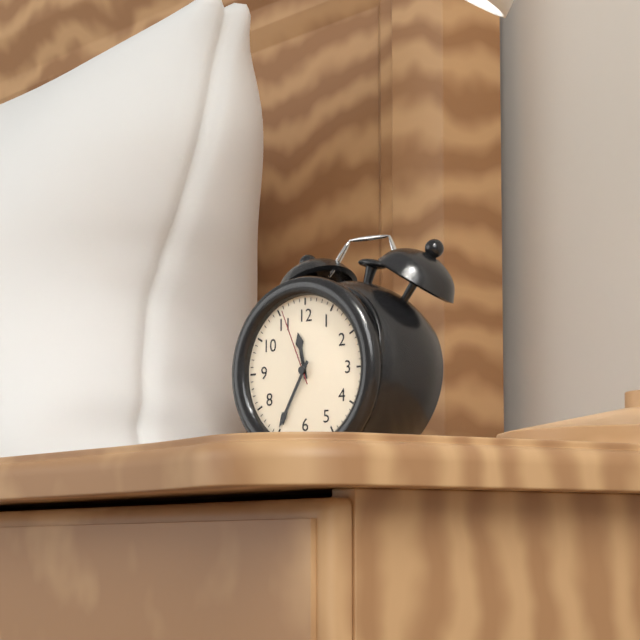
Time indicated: 11:35:56
